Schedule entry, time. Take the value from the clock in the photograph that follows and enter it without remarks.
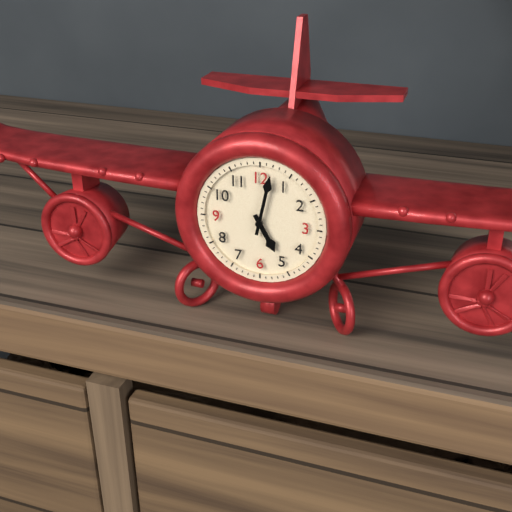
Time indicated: 5:02
